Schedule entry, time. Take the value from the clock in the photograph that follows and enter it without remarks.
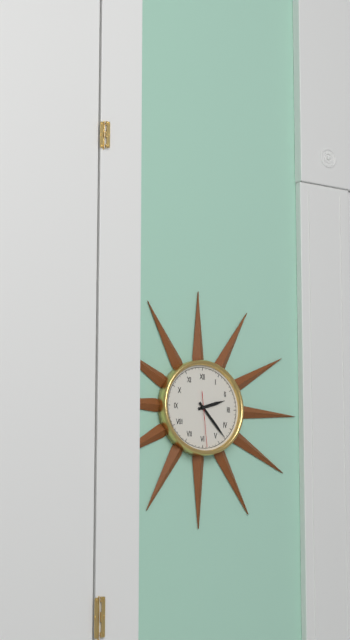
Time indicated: 2:23
